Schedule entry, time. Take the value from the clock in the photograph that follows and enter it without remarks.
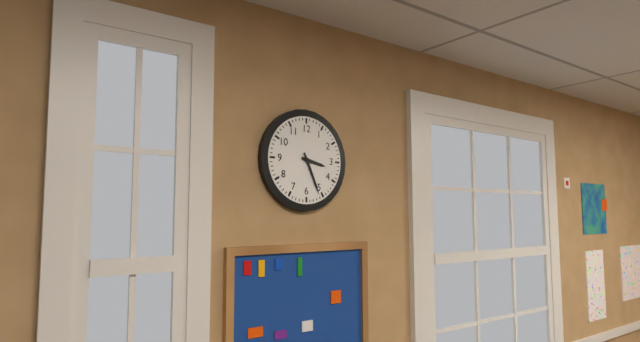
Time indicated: 3:26
